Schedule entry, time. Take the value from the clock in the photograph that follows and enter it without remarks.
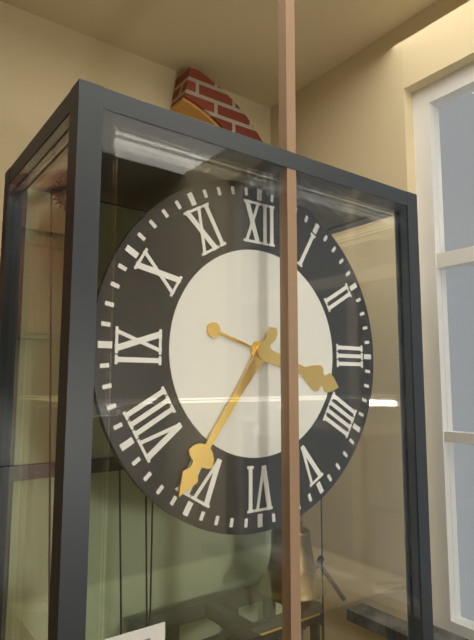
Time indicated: 3:36
